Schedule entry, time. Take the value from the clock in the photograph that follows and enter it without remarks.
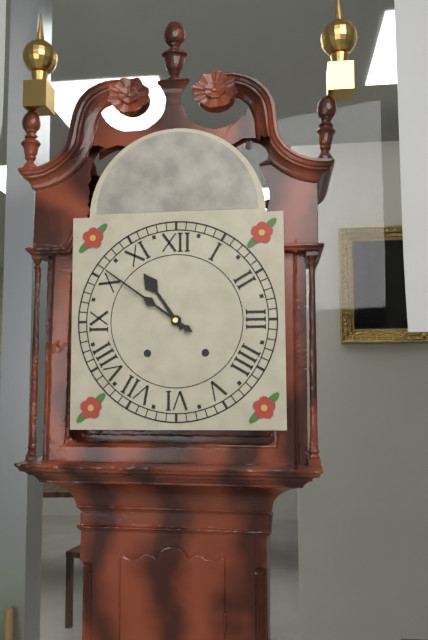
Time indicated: 10:51
